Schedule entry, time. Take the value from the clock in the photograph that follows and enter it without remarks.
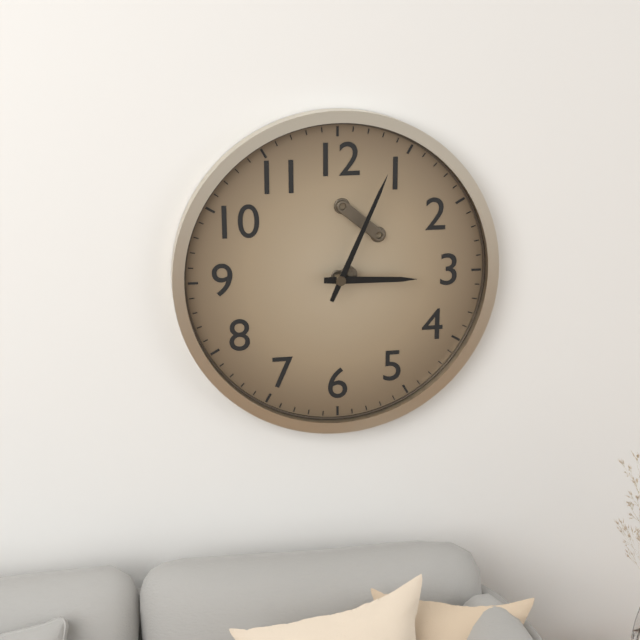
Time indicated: 3:04
